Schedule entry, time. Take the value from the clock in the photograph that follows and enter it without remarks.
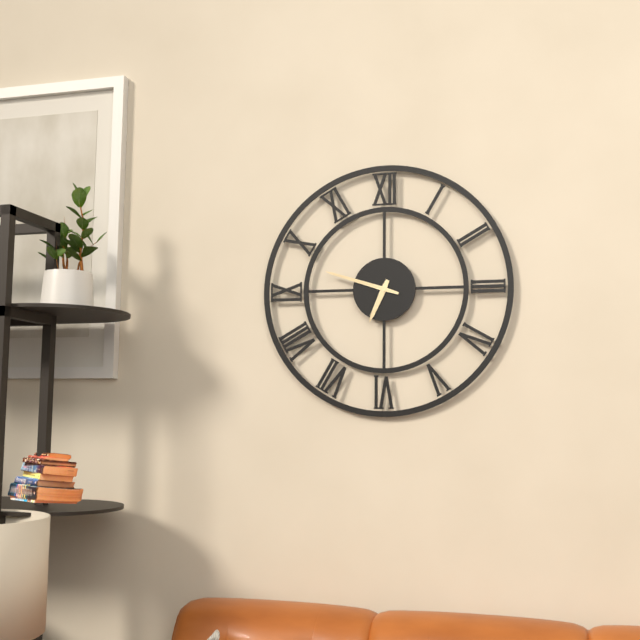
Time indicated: 6:48
